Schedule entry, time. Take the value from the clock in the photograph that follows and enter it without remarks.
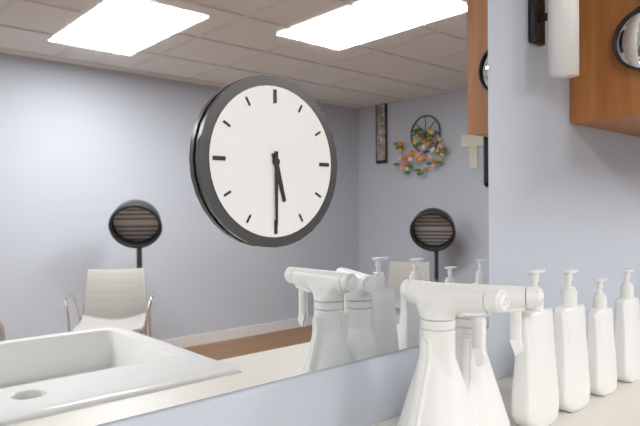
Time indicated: 5:30
